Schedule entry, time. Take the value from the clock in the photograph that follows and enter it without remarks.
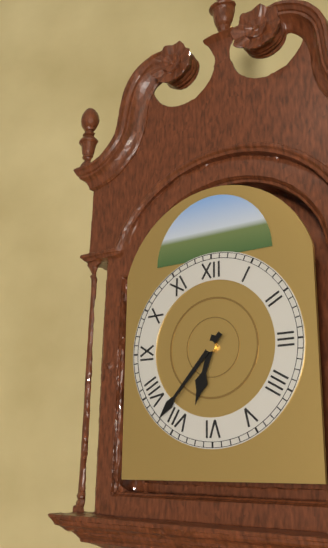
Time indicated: 6:37
